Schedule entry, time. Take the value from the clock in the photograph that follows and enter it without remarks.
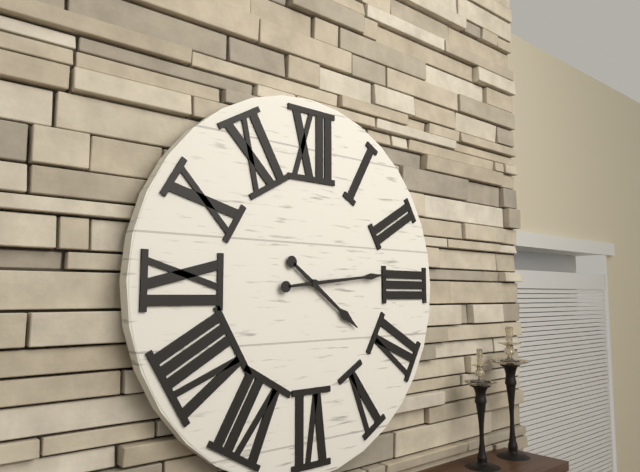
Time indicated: 4:14
